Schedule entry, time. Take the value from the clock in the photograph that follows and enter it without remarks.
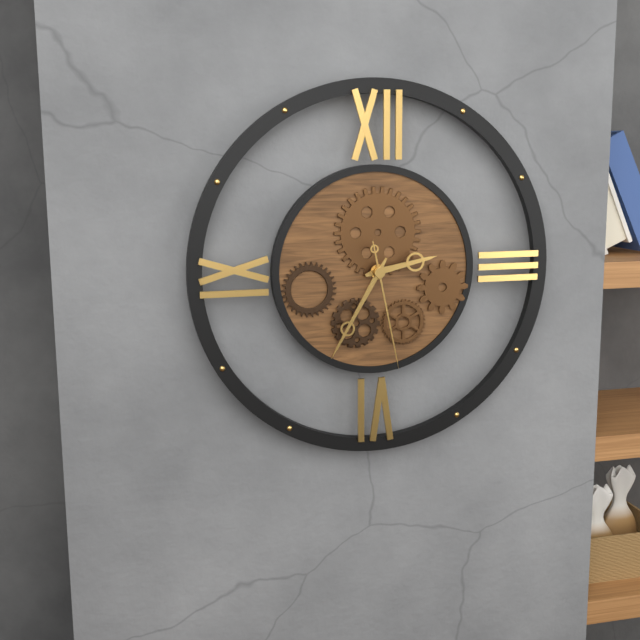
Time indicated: 2:35:28
